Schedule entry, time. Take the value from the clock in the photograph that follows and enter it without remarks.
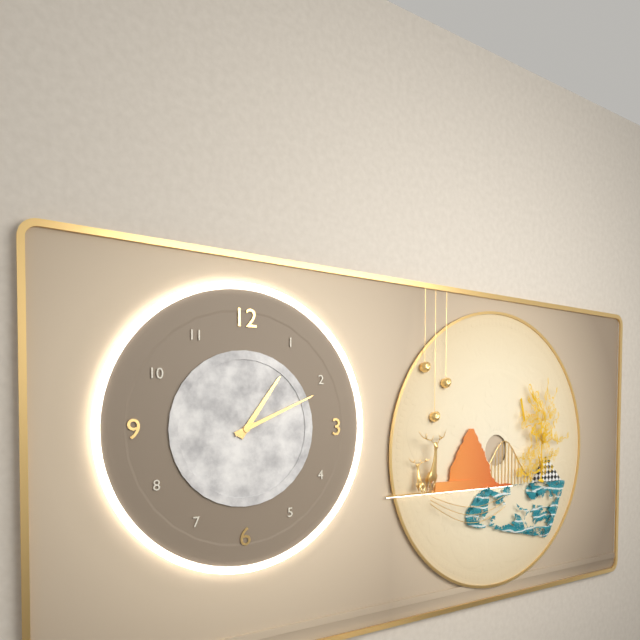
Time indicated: 1:11
